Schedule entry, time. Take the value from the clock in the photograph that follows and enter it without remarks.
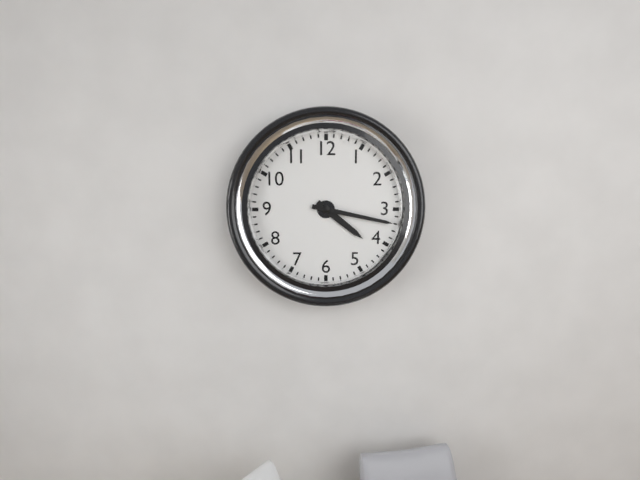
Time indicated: 4:17
